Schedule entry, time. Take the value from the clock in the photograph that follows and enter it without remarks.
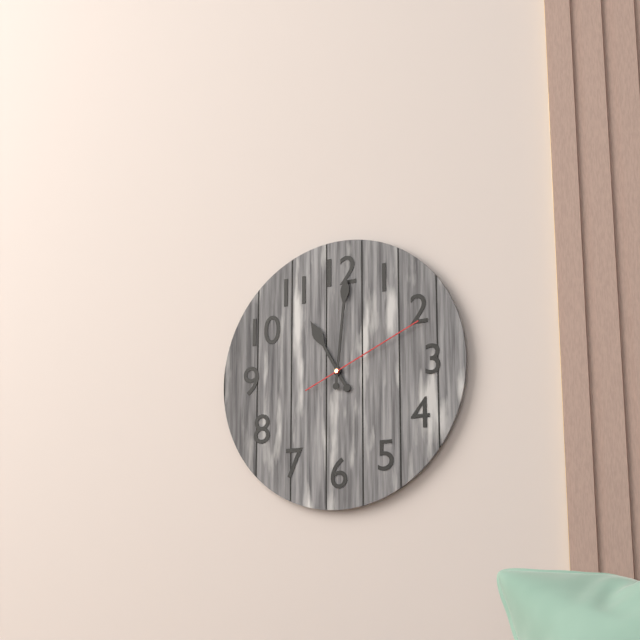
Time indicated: 11:01:11
